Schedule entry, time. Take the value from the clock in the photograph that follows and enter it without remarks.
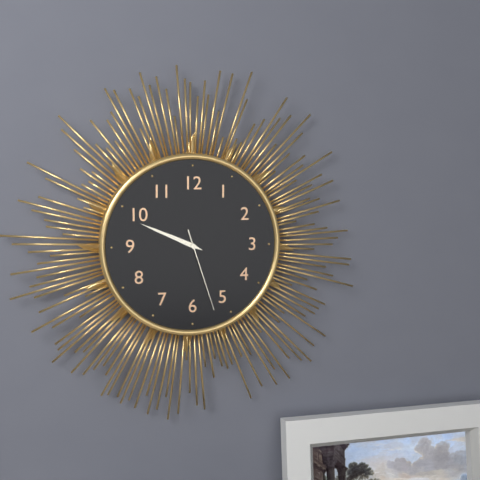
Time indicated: 9:49:27
